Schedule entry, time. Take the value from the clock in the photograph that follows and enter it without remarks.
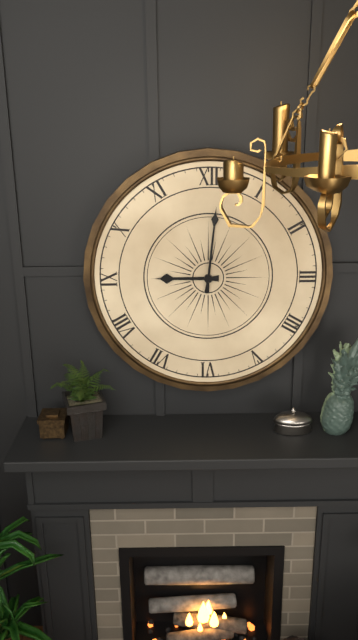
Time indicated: 9:01
